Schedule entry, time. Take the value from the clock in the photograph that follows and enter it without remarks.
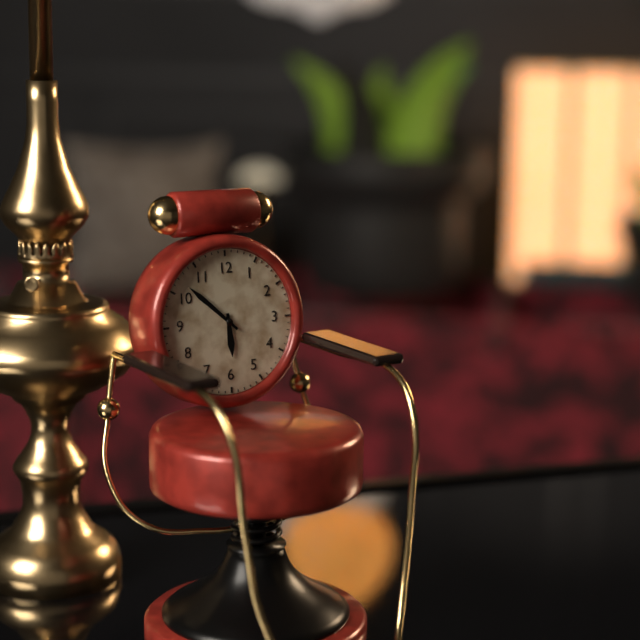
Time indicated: 5:52
